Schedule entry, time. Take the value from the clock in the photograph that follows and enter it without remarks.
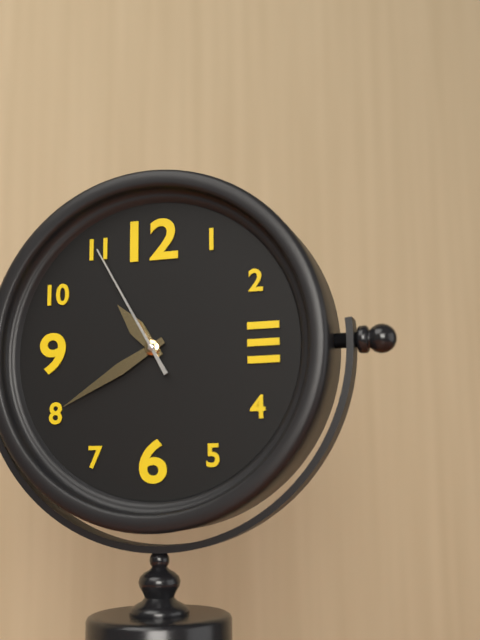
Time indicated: 10:40:55
